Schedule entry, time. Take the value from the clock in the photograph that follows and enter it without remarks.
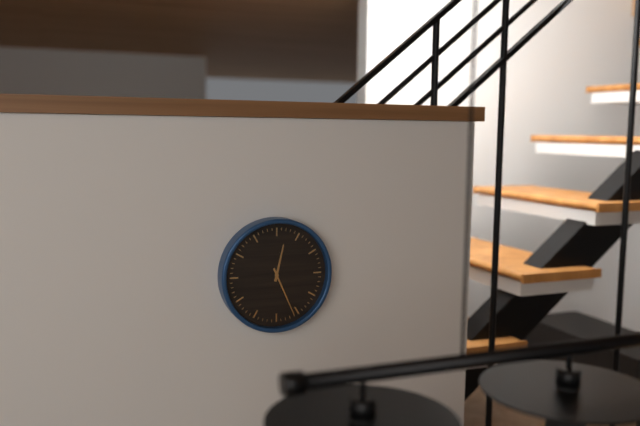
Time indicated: 12:26
